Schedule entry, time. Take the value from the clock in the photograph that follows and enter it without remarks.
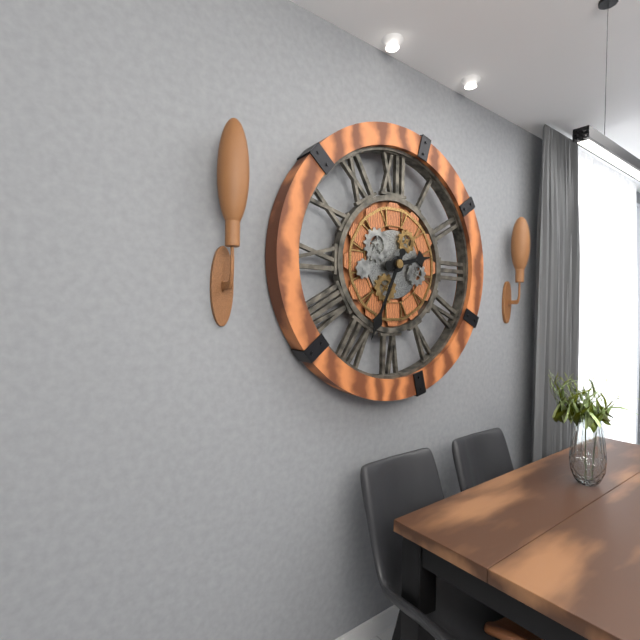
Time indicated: 2:34
